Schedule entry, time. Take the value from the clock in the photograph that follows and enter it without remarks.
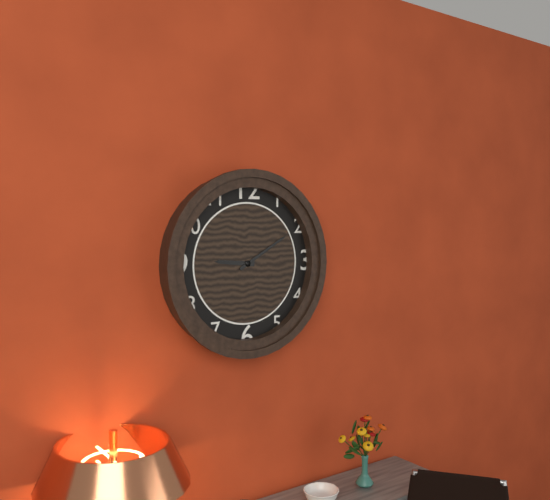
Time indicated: 9:10
